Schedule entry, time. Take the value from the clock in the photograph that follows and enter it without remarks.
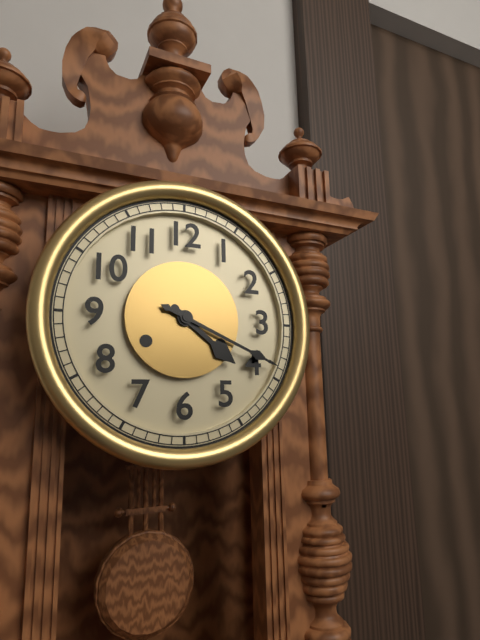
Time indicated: 4:19
